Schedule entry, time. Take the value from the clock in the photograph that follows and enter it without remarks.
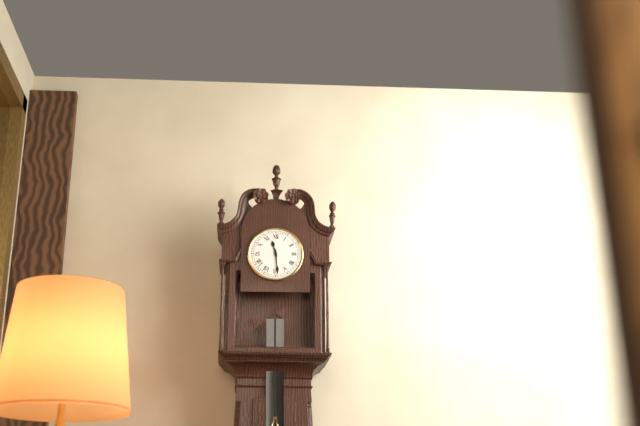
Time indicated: 11:29
